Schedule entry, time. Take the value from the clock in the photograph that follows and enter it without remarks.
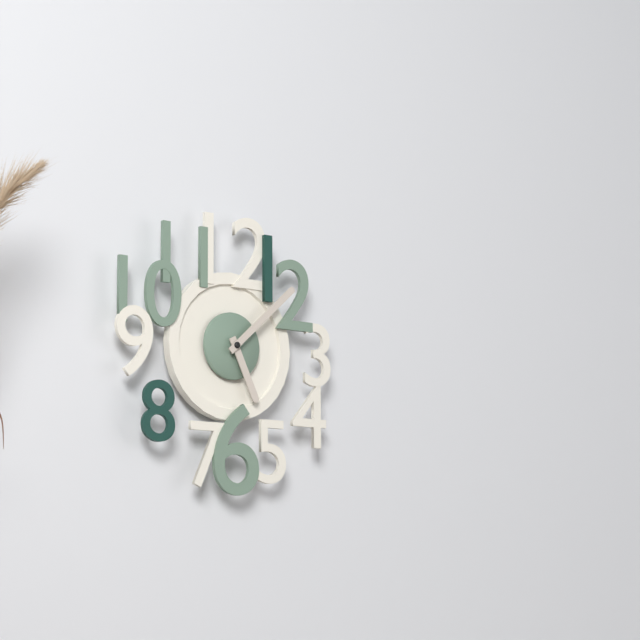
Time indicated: 5:08
